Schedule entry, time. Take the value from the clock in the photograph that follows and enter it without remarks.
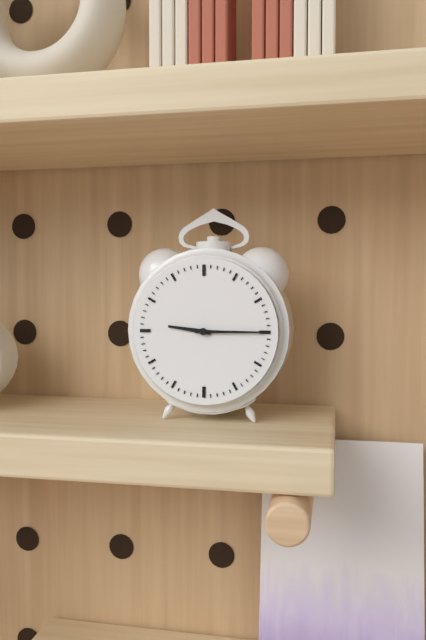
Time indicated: 9:15
